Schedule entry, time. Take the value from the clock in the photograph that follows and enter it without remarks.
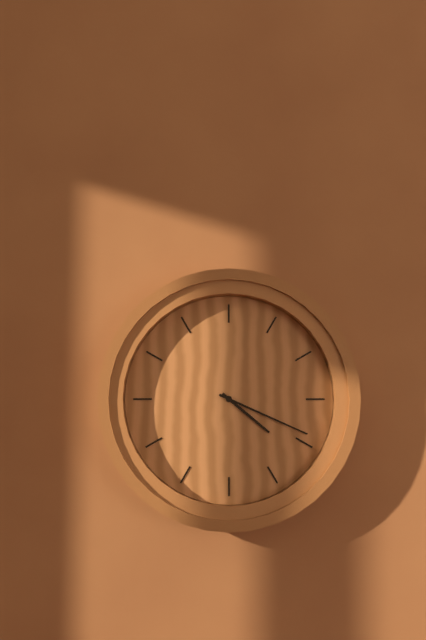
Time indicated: 4:19
